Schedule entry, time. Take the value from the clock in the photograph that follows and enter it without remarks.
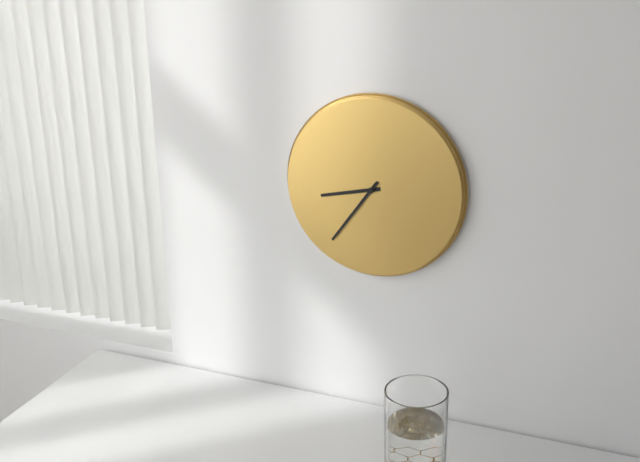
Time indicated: 8:36
